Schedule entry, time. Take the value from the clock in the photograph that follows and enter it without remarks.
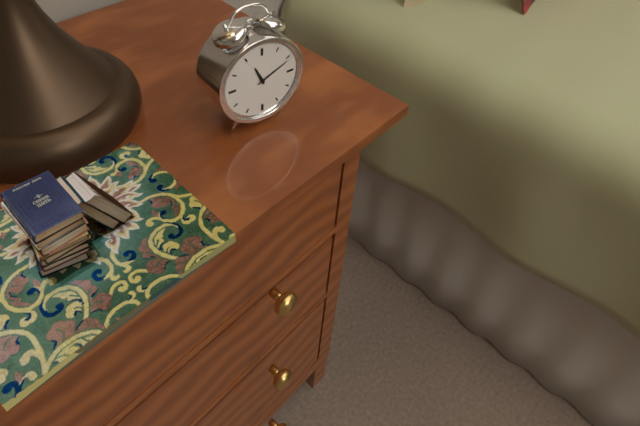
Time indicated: 11:11
